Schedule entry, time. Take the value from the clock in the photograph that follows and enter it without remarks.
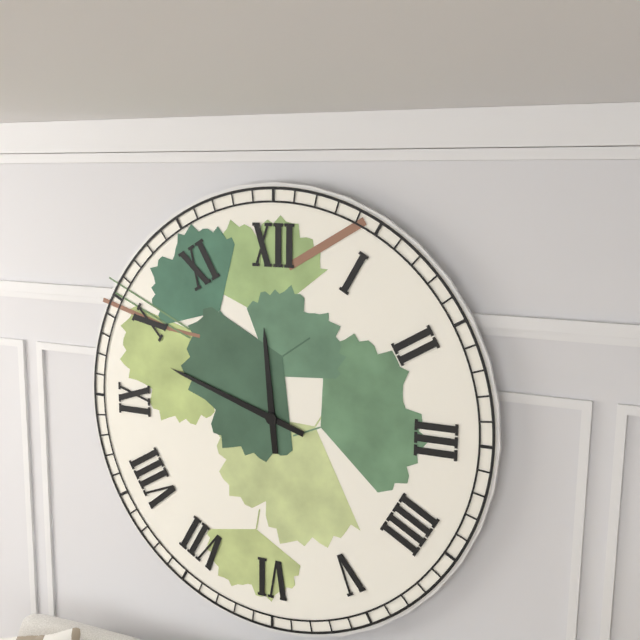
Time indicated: 11:48
